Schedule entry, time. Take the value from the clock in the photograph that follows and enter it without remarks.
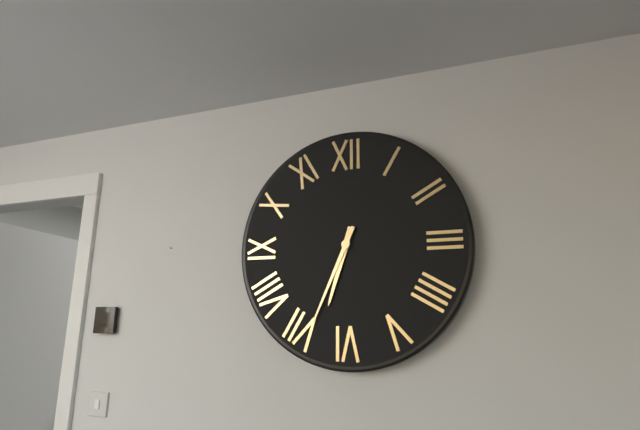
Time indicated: 6:34
